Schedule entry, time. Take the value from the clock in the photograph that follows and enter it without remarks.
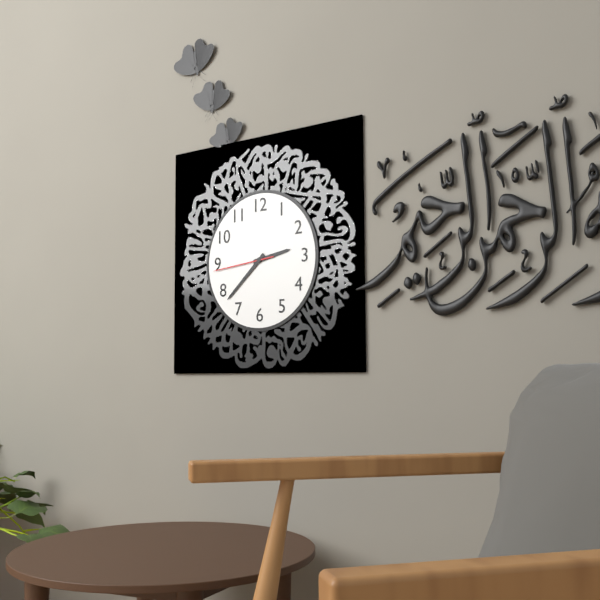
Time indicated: 2:38:44
